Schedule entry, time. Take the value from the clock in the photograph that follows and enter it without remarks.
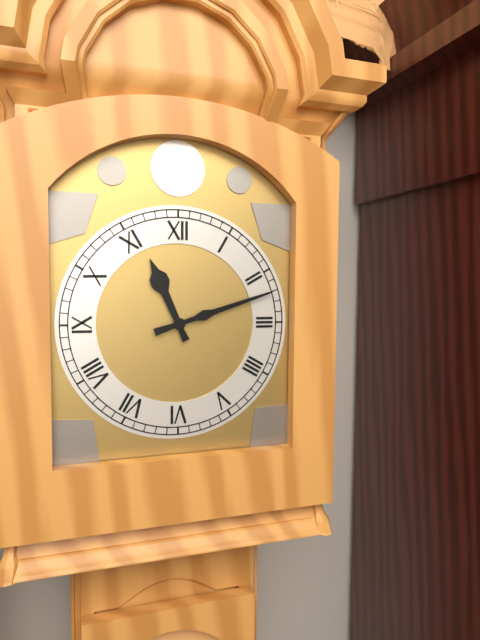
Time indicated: 11:12
